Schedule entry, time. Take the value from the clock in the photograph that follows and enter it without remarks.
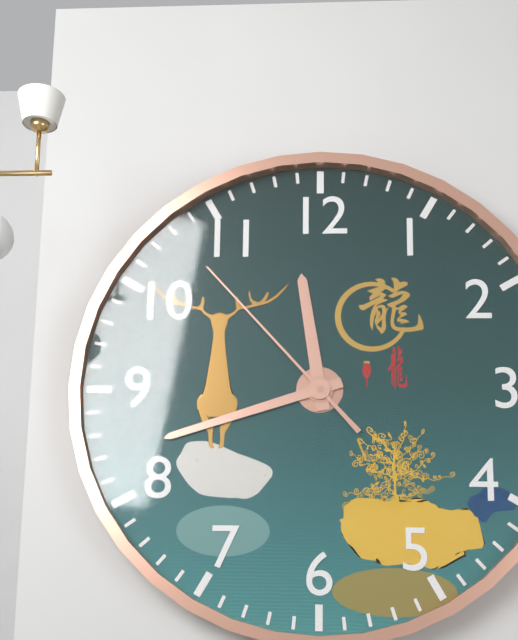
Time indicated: 11:42:53
